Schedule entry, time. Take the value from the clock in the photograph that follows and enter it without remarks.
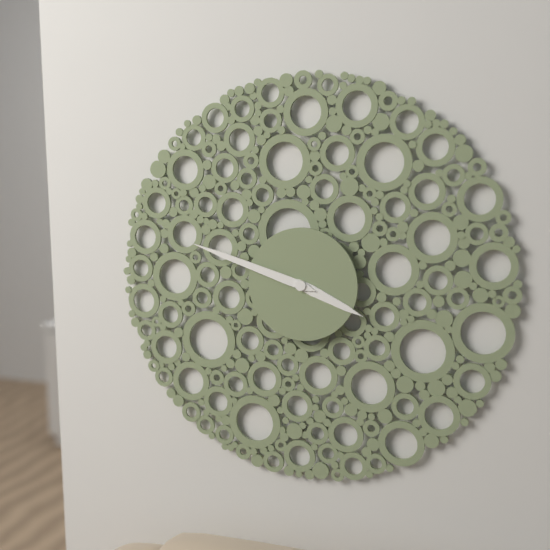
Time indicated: 3:48
